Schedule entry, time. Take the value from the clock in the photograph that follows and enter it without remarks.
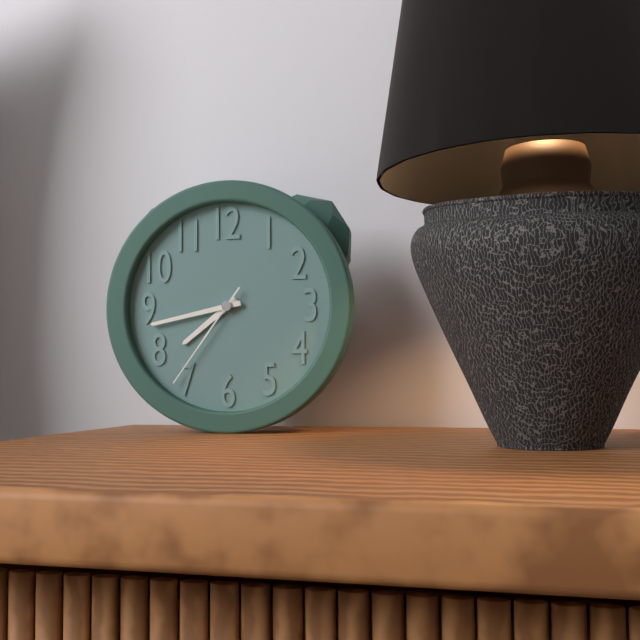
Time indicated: 7:43:36
